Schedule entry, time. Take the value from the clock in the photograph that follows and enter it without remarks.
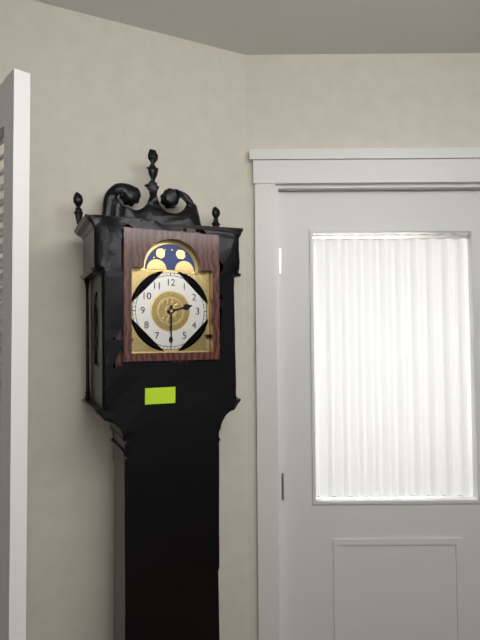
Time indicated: 2:30
